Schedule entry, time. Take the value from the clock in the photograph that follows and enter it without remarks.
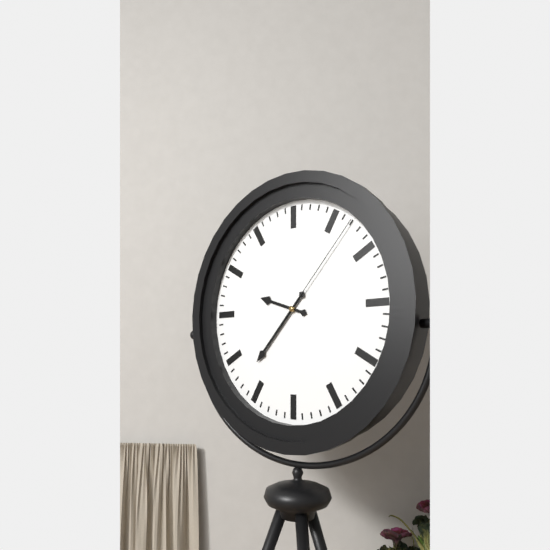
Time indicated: 9:37:07
